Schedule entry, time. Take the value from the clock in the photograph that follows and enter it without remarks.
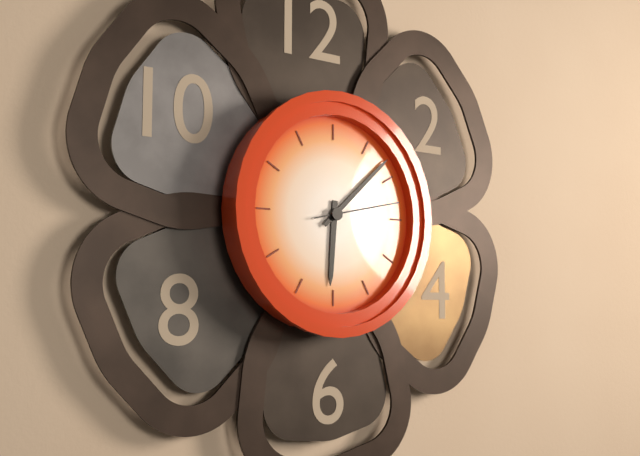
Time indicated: 6:08:13
